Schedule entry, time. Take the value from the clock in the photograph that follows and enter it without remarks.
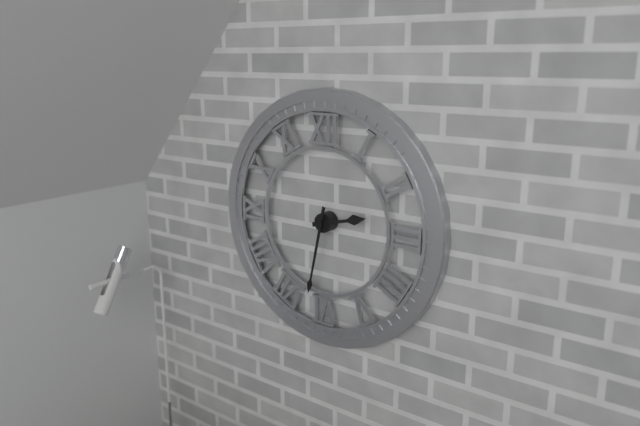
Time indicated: 2:32
